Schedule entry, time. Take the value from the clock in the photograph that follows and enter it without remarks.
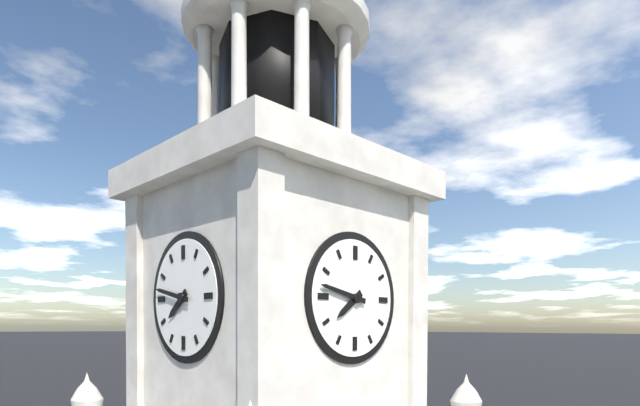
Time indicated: 7:47
